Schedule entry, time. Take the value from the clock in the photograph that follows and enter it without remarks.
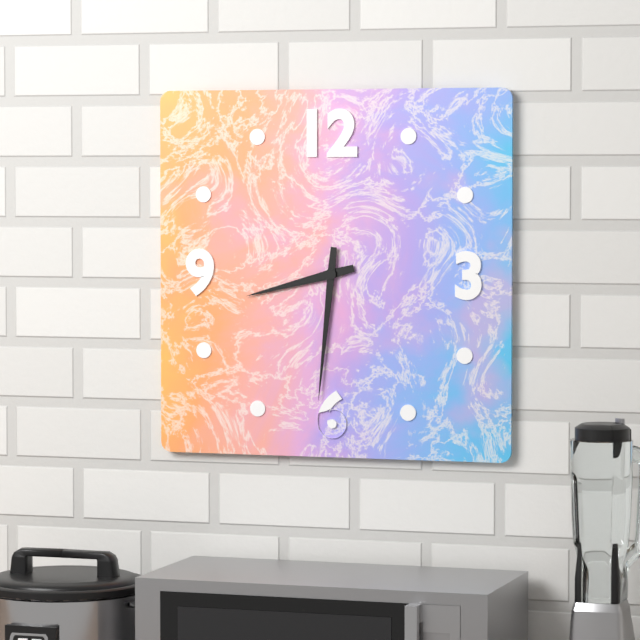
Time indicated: 8:31
